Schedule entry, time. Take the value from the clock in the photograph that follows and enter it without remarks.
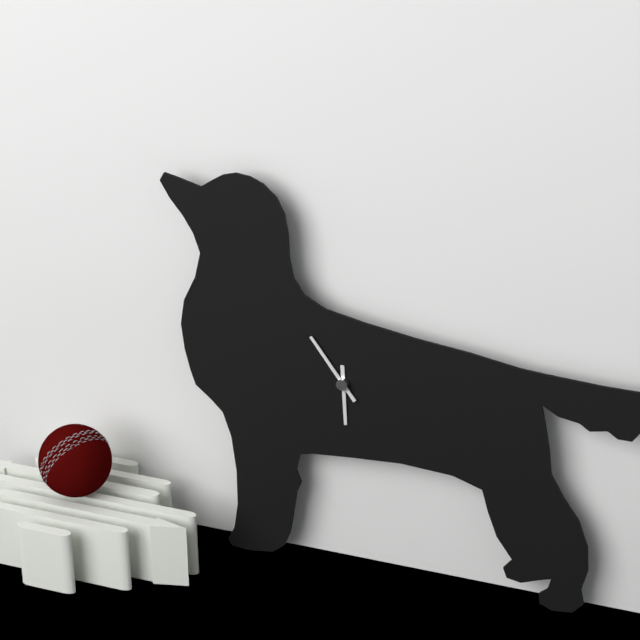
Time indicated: 5:54
